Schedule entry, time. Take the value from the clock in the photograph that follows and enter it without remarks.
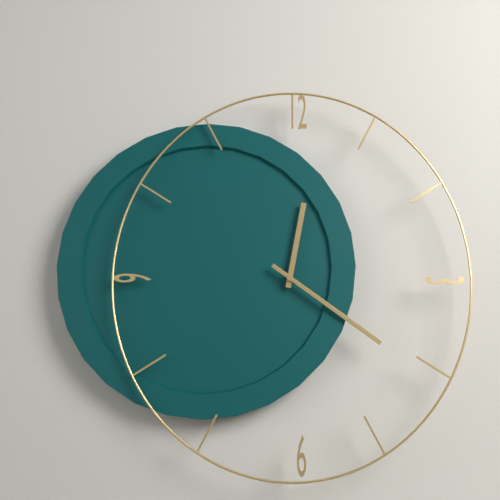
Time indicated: 12:21
